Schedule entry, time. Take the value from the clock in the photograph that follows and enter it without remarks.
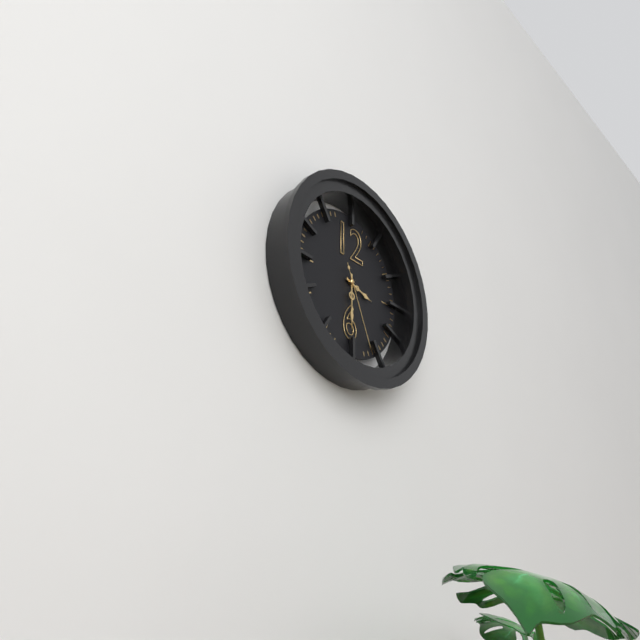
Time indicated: 3:30:26
